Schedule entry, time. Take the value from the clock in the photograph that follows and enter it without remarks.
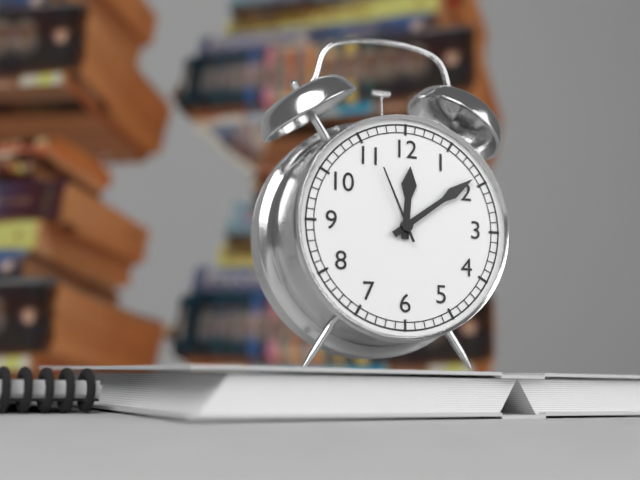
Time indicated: 12:09:56
